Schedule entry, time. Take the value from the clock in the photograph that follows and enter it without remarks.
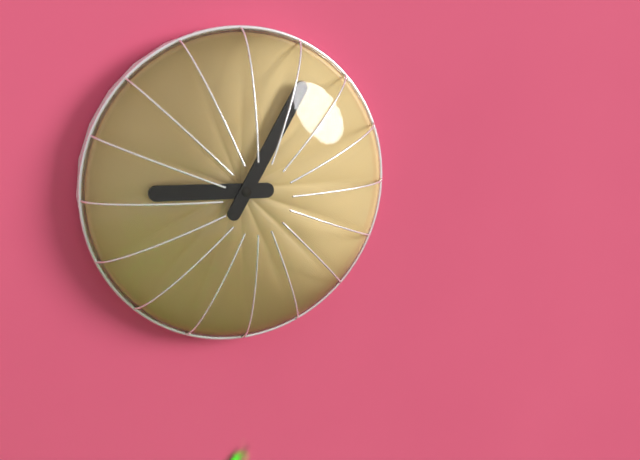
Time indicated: 9:05
